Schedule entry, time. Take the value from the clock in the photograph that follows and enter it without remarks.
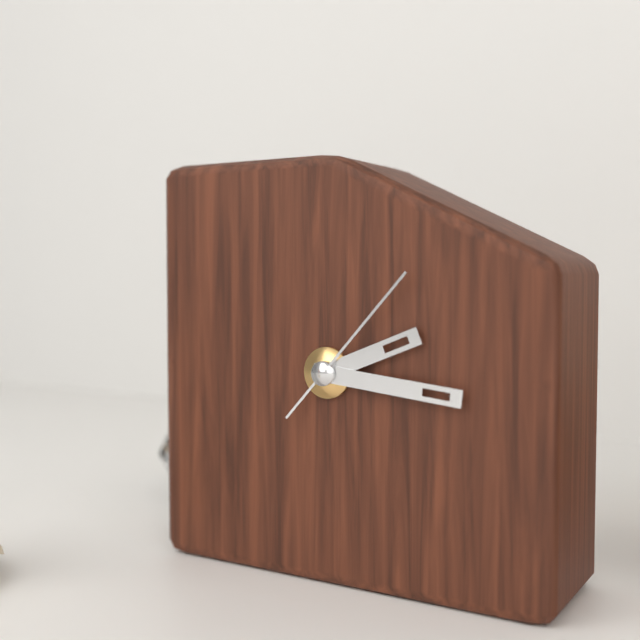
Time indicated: 2:16:07
